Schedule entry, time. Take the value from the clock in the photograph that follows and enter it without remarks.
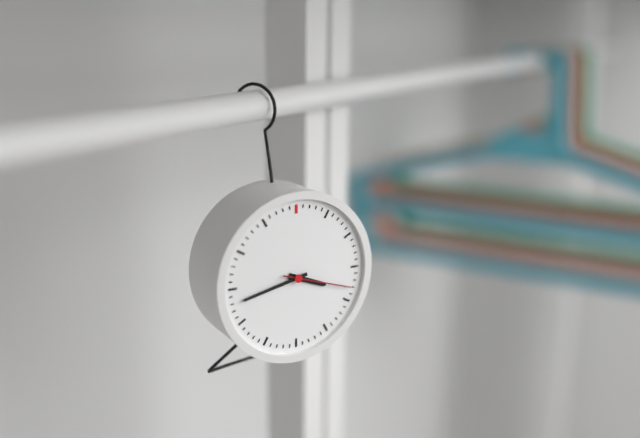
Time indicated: 3:43:18
